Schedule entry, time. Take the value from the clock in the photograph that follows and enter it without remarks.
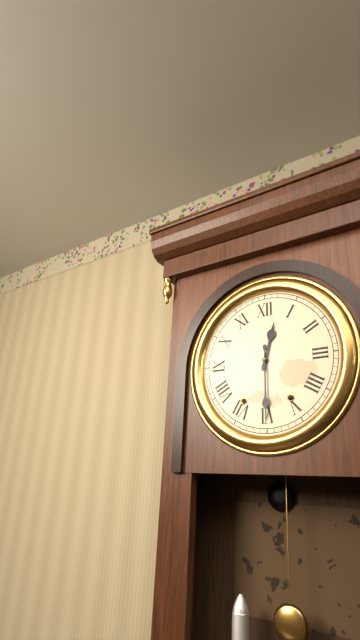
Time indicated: 12:30
